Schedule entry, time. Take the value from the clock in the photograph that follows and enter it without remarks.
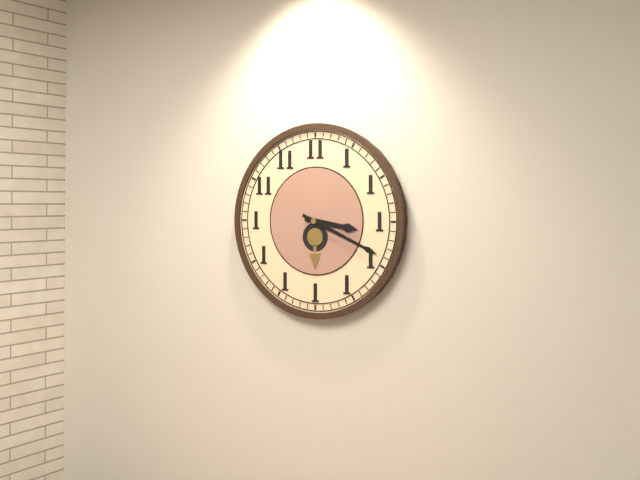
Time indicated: 3:19
